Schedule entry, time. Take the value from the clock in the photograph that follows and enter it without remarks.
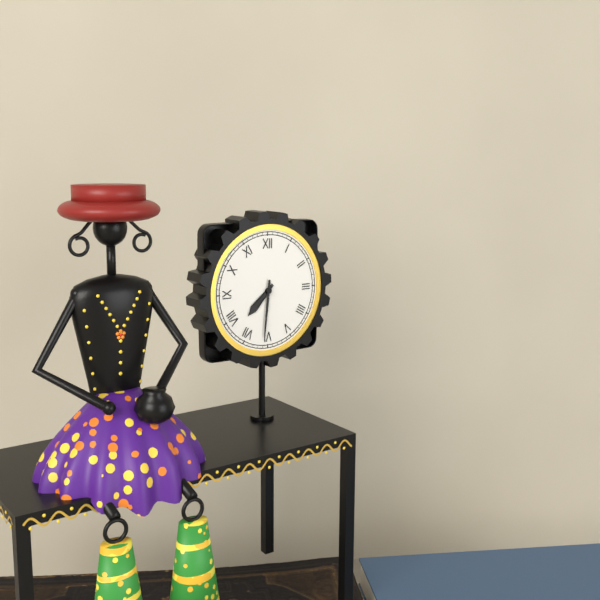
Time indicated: 7:31
